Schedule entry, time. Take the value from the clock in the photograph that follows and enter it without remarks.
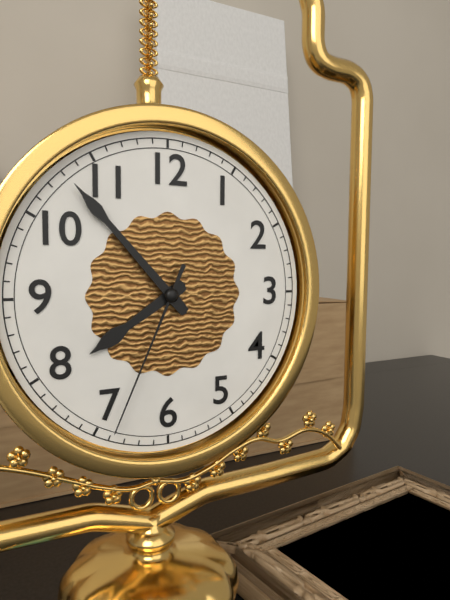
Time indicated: 7:53:34
